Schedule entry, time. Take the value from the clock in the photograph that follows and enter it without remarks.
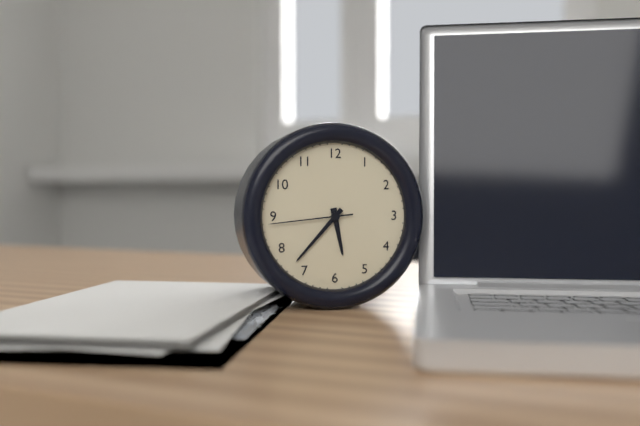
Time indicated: 5:37:44
